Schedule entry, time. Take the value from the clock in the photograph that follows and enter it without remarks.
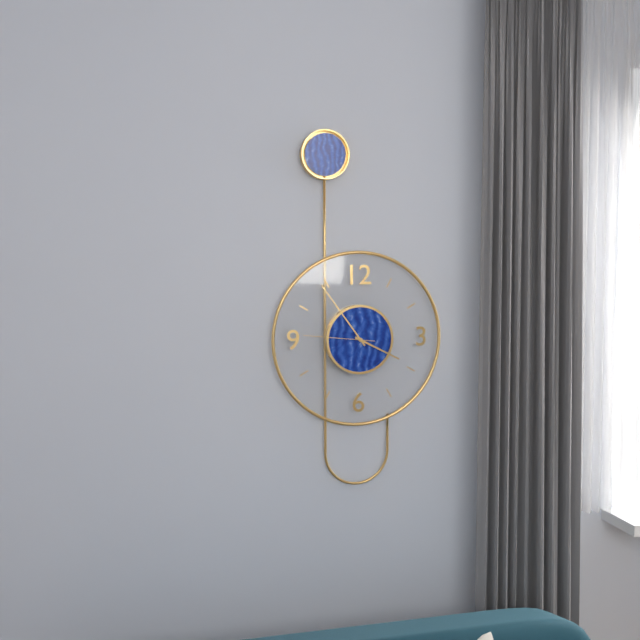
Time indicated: 3:54:46
